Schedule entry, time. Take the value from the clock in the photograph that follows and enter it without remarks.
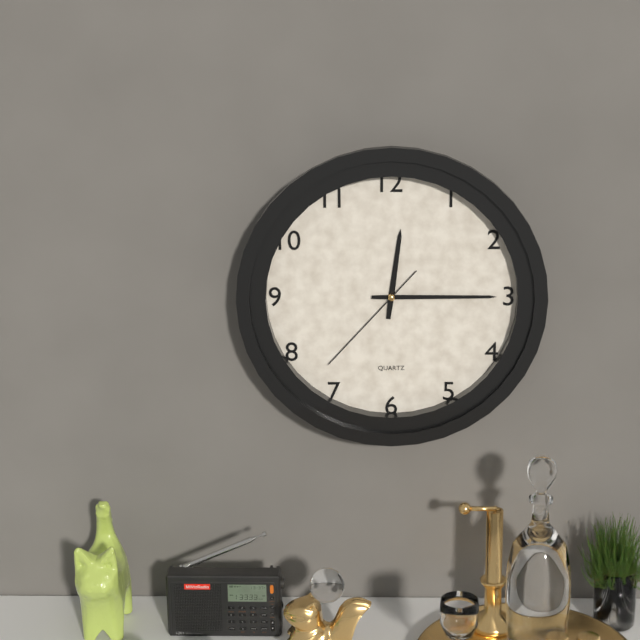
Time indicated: 12:15:37
